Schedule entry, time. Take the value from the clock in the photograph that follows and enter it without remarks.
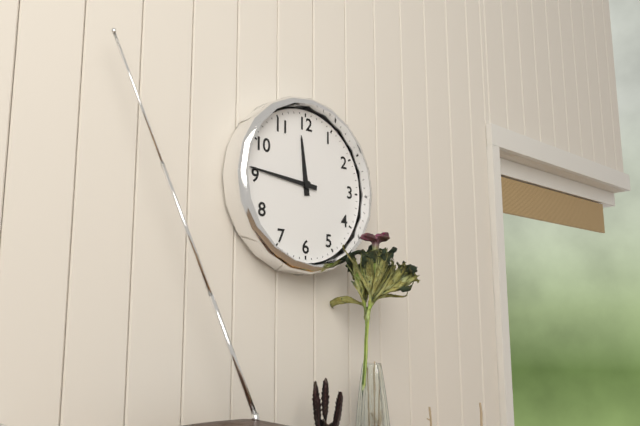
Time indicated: 11:46
